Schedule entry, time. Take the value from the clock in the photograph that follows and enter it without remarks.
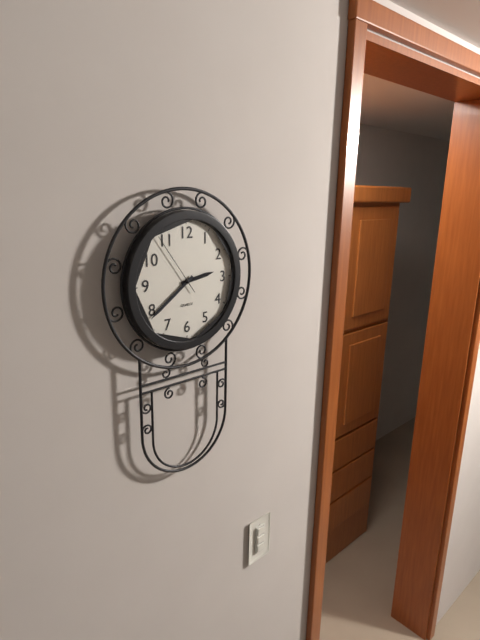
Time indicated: 2:39:54
